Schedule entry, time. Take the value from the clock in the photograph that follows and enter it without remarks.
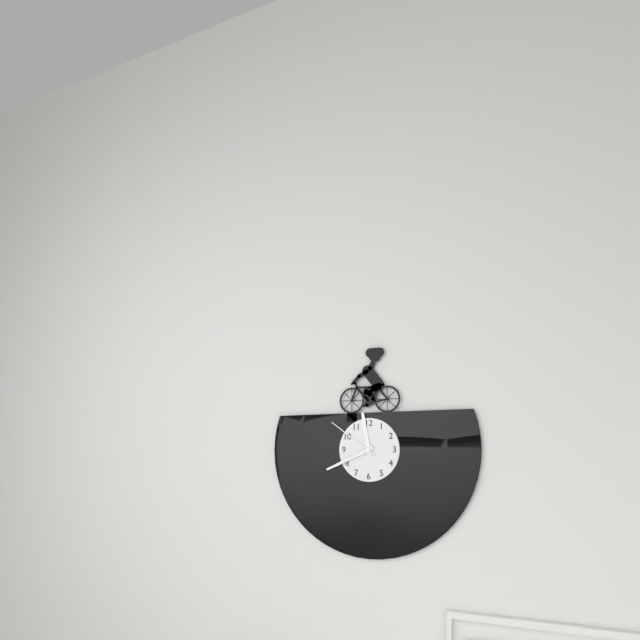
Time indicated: 11:41:51
